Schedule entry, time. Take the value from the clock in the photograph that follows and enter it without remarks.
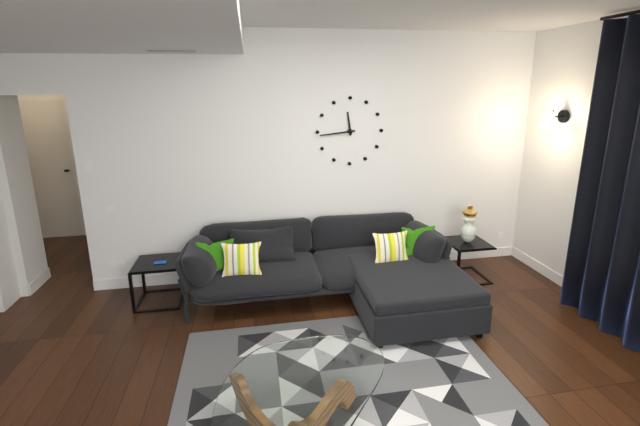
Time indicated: 11:44
